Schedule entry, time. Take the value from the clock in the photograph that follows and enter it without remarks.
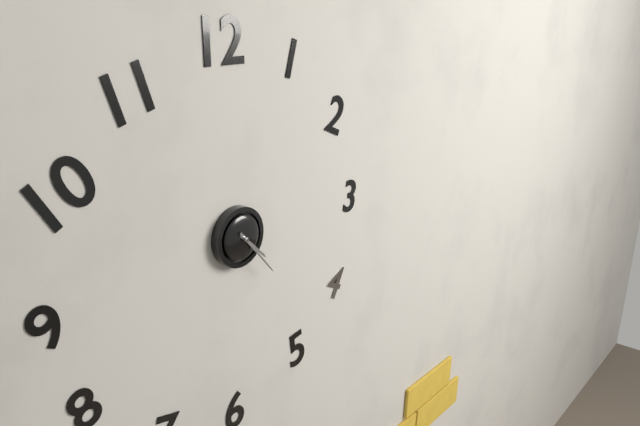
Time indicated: 4:23
